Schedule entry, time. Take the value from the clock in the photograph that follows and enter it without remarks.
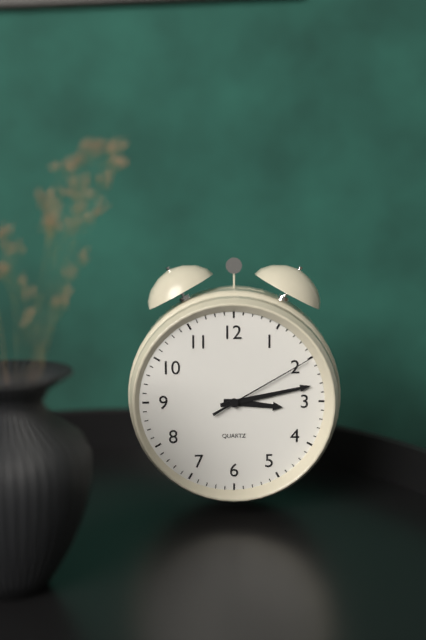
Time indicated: 3:13:10
